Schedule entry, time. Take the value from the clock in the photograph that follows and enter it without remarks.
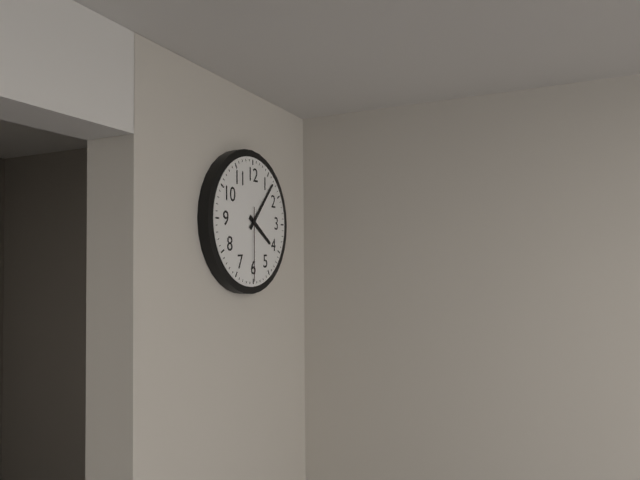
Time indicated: 4:07:30
